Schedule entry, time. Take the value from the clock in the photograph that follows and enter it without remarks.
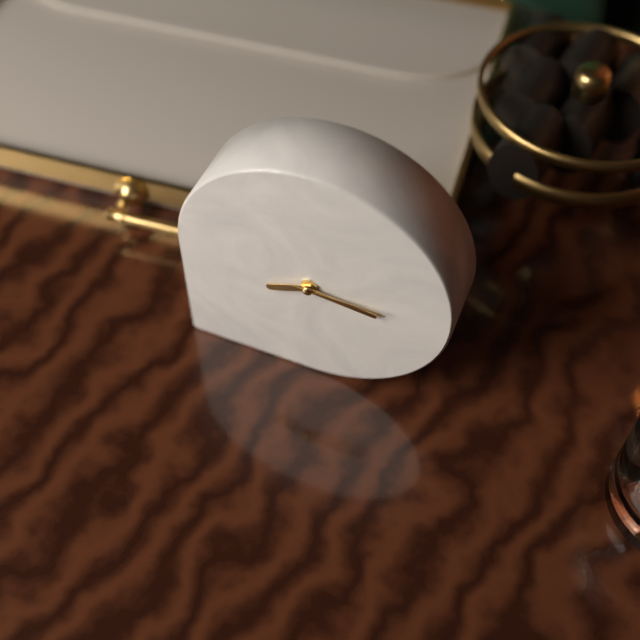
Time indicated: 8:16:15
